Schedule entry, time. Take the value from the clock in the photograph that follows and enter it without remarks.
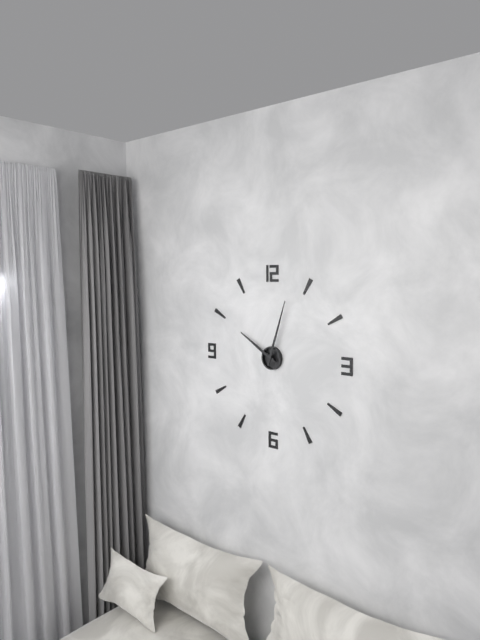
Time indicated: 10:03
